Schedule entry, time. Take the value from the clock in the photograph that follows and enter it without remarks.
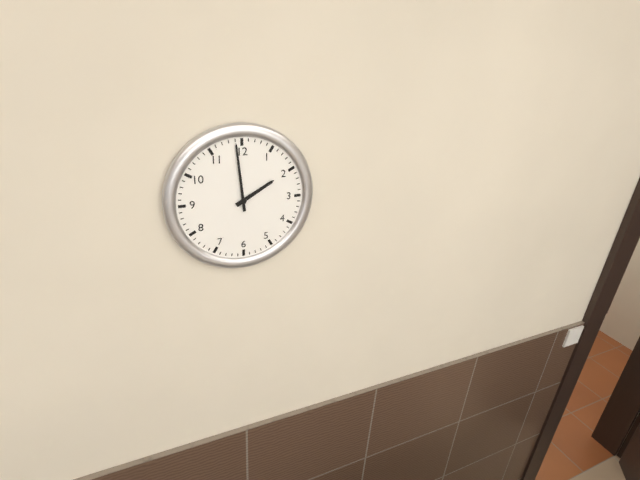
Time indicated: 1:59
